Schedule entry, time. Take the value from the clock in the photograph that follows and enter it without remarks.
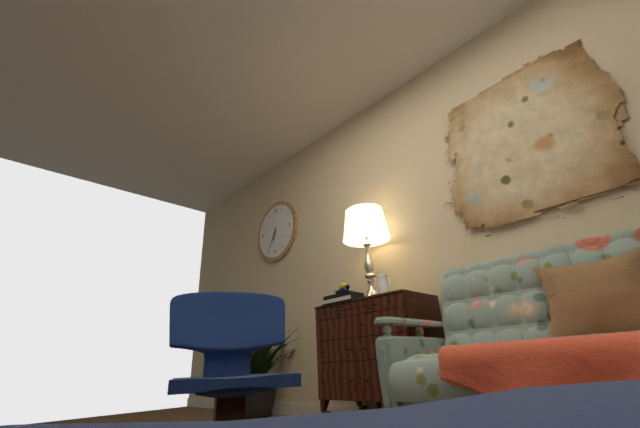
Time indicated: 6:35
